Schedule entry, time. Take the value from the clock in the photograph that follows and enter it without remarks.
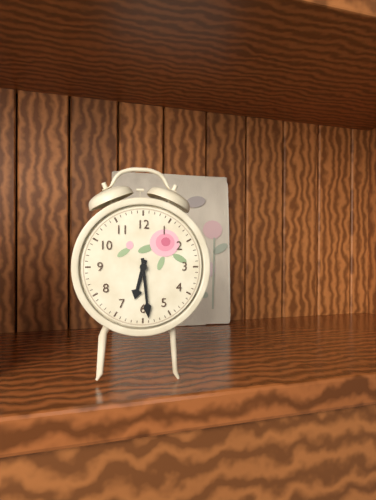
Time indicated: 6:29
